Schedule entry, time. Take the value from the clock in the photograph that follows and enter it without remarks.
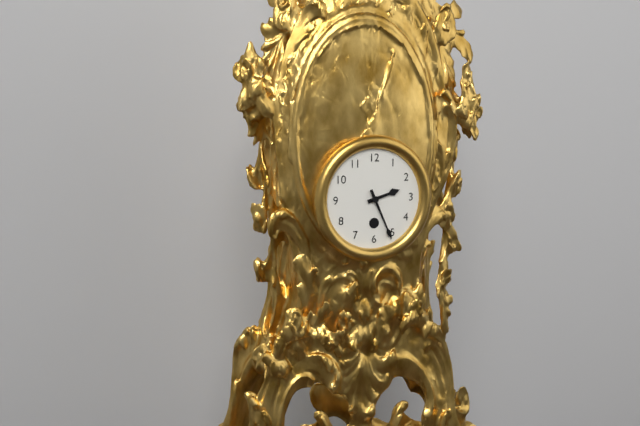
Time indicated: 2:26
